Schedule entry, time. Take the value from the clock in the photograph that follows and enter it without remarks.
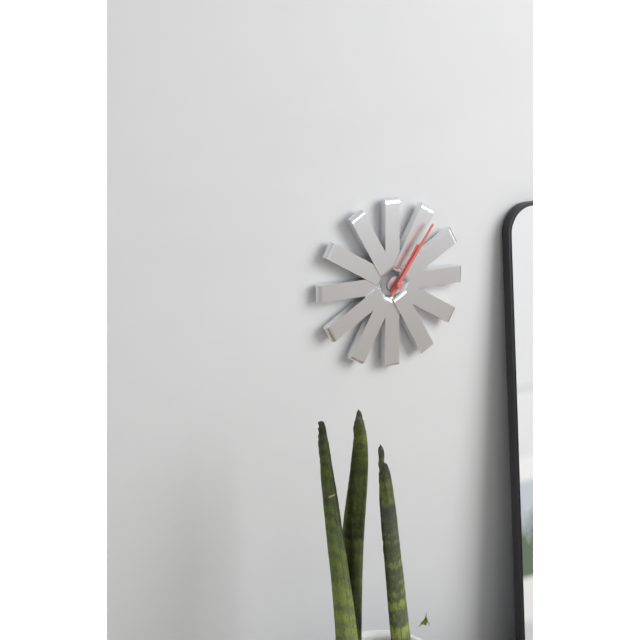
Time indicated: 1:06
